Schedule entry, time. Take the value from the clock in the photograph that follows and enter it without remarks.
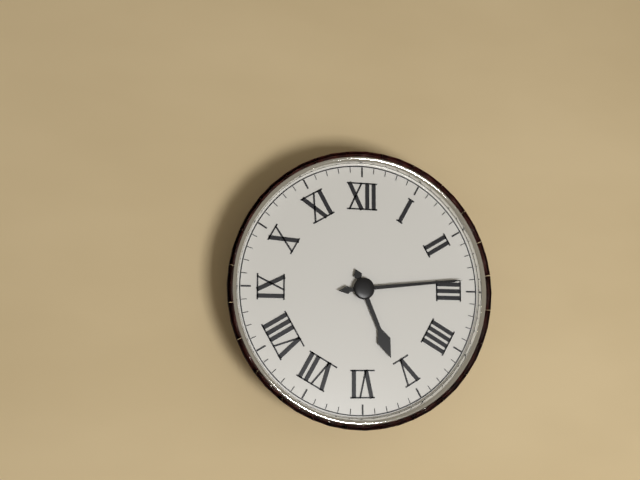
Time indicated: 5:14
